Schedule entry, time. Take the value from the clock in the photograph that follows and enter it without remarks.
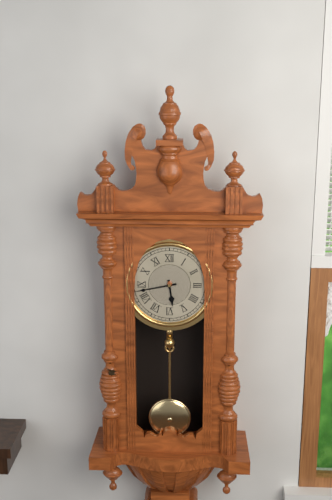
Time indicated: 5:43
